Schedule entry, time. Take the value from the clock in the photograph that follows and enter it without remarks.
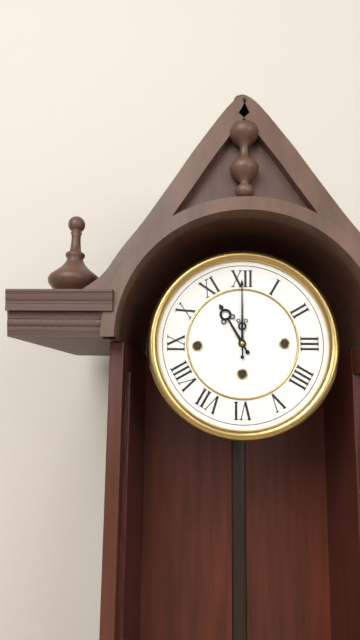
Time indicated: 11:00
